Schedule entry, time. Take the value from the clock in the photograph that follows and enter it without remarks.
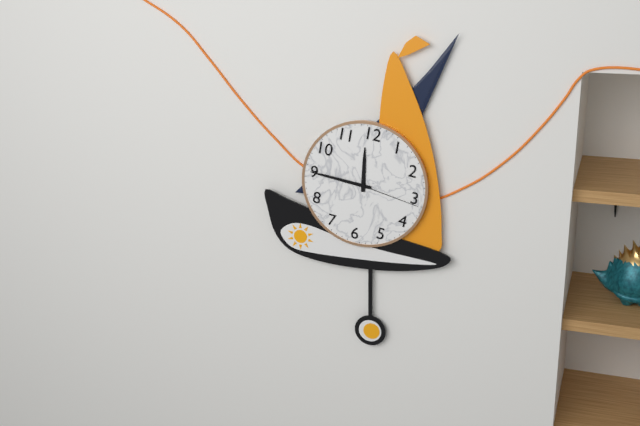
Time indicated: 11:45:16
